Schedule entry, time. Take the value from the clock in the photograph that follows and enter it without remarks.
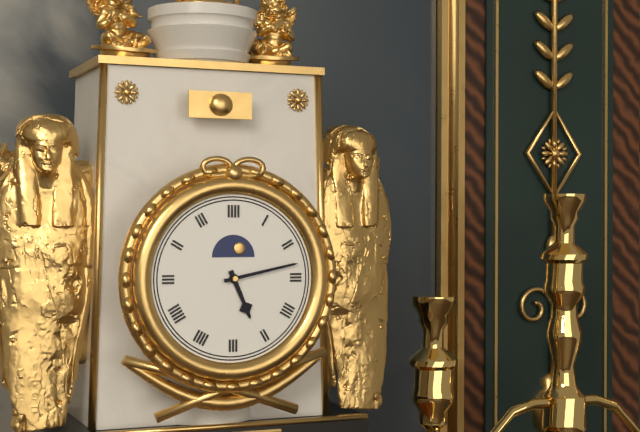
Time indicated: 5:13
